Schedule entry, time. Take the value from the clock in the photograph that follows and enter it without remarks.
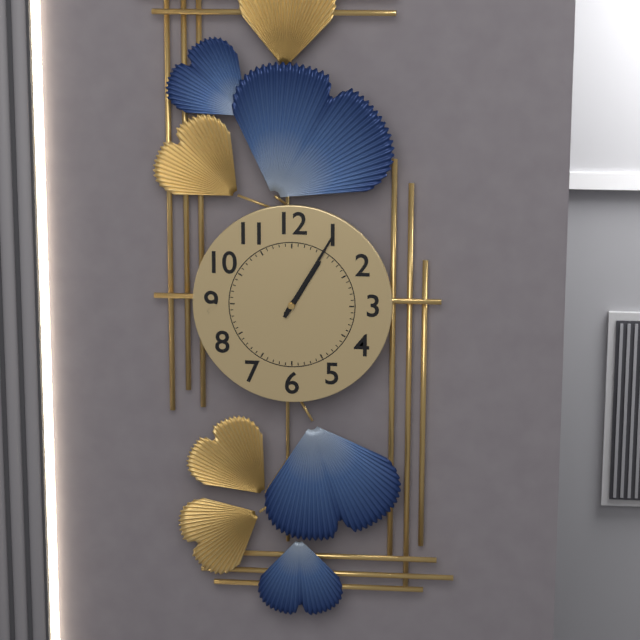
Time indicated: 1:05
